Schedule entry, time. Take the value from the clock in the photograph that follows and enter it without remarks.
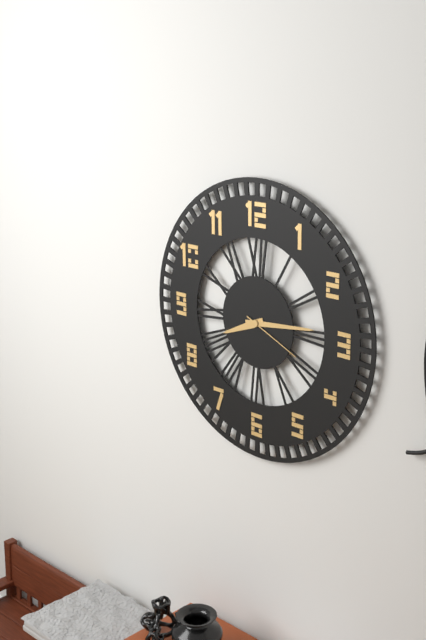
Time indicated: 8:14:19
